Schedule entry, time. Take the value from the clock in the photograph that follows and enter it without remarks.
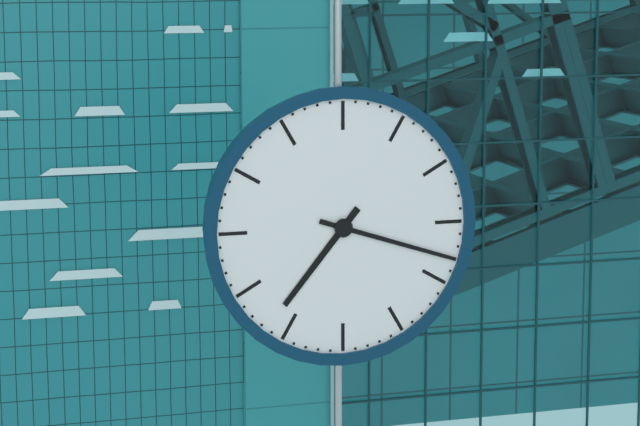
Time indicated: 7:18
